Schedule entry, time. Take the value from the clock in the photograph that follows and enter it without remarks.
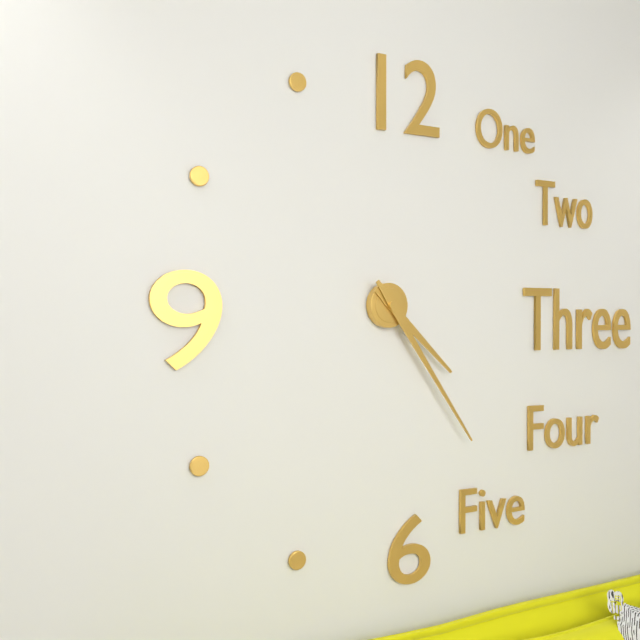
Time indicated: 4:24
